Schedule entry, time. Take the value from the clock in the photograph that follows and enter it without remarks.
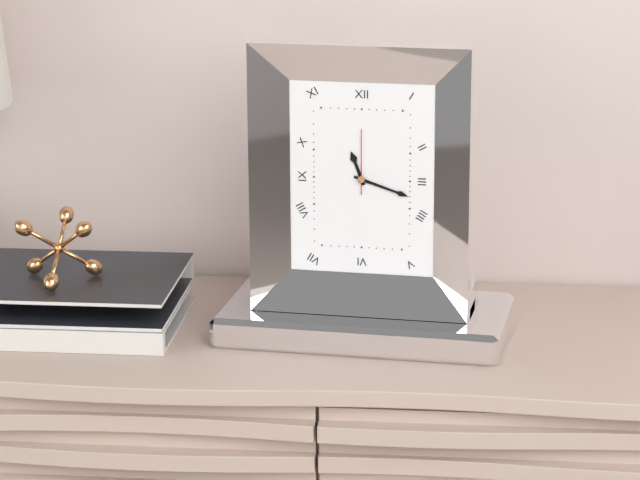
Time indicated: 11:18:00
